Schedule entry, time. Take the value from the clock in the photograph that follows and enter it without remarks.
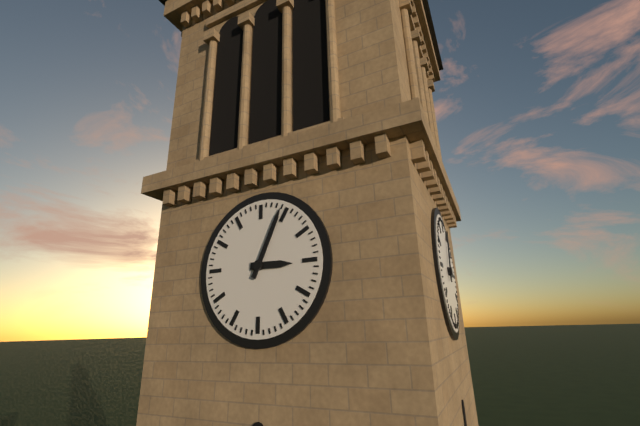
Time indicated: 3:04
